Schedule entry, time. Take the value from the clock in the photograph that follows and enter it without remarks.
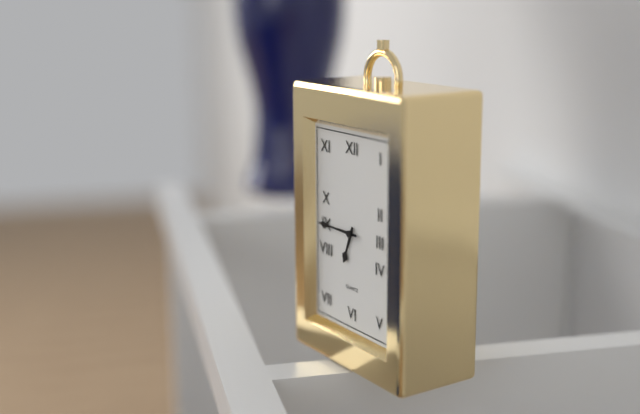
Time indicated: 6:45
